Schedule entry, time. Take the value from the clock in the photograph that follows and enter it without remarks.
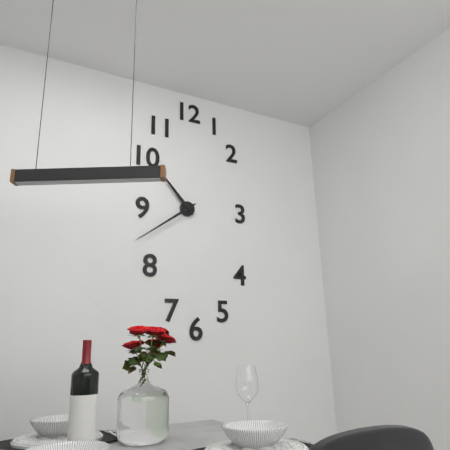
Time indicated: 10:39
